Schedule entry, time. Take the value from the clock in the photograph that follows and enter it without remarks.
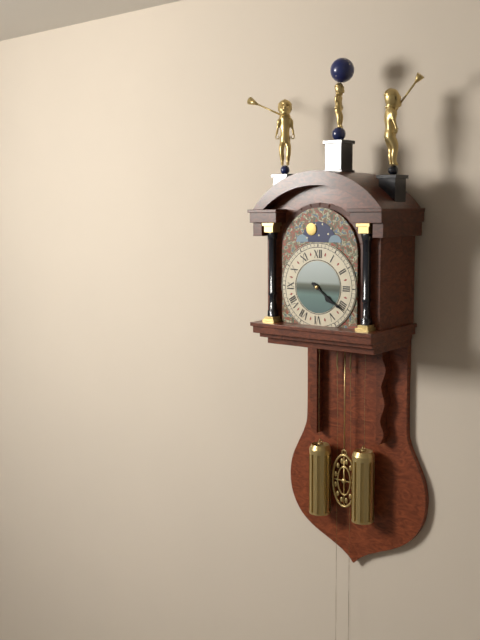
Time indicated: 4:21
